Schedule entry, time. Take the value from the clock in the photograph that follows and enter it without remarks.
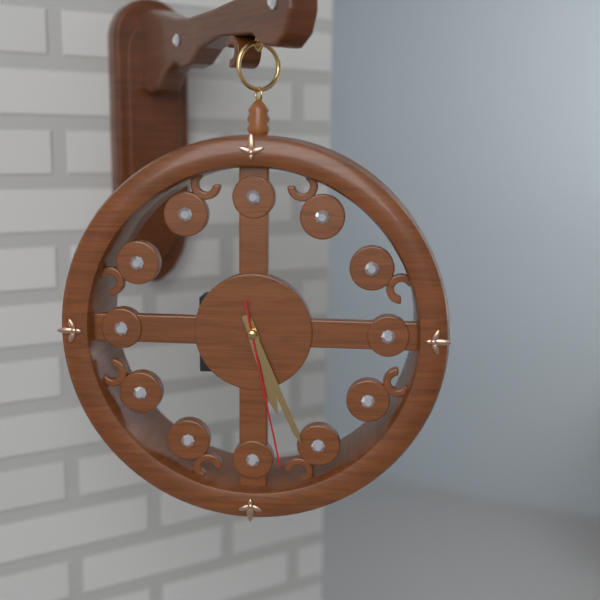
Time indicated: 5:26:28
